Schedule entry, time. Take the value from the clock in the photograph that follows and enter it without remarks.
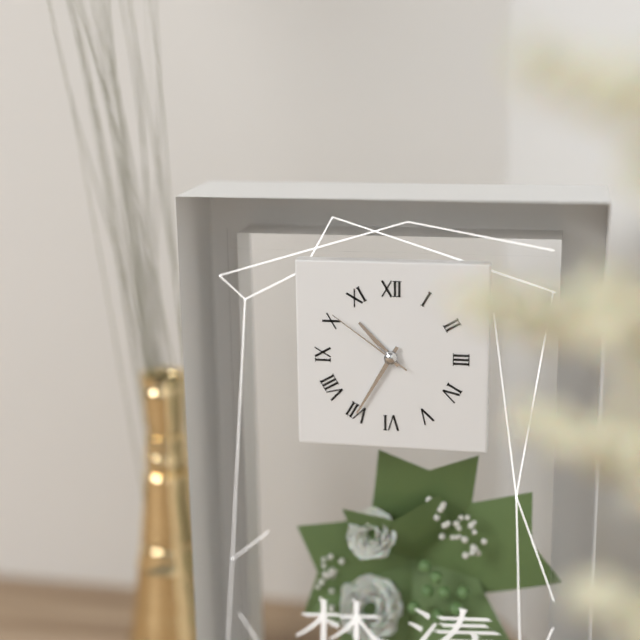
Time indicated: 10:35:51
